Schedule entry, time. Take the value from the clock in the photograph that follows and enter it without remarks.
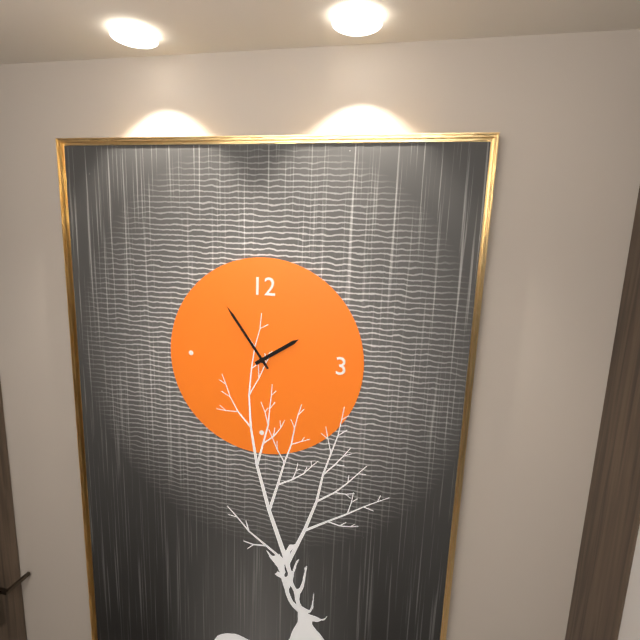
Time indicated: 1:54
